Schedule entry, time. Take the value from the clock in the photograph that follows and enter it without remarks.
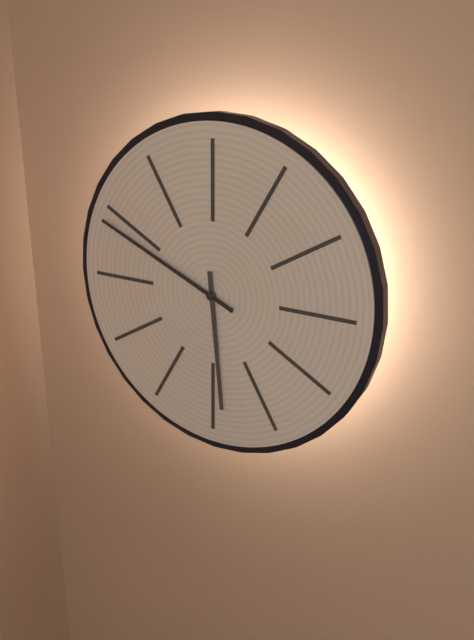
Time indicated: 5:49
